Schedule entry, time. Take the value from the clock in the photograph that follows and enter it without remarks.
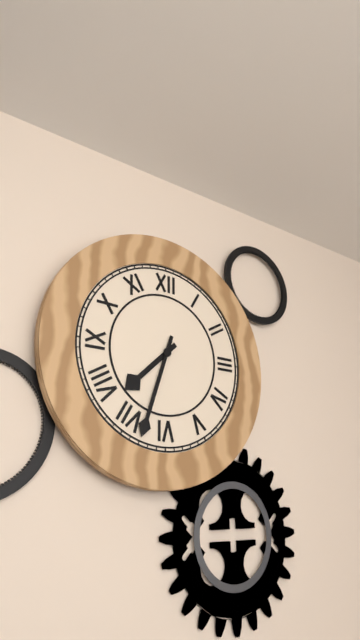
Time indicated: 7:33
